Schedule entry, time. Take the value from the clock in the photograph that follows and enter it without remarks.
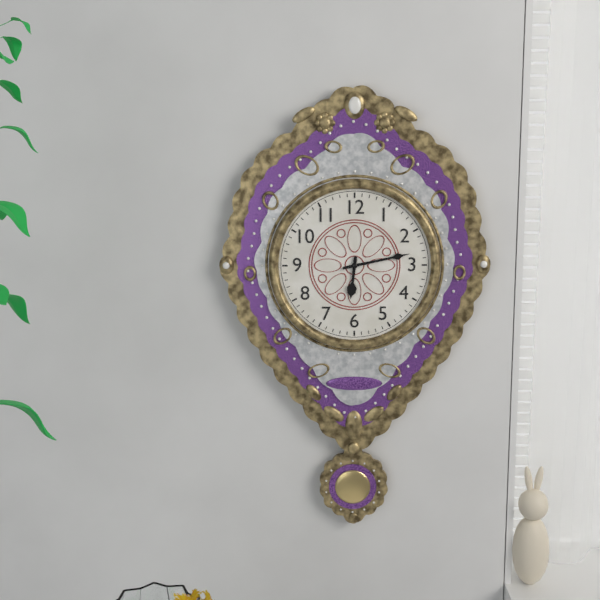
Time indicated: 6:13
